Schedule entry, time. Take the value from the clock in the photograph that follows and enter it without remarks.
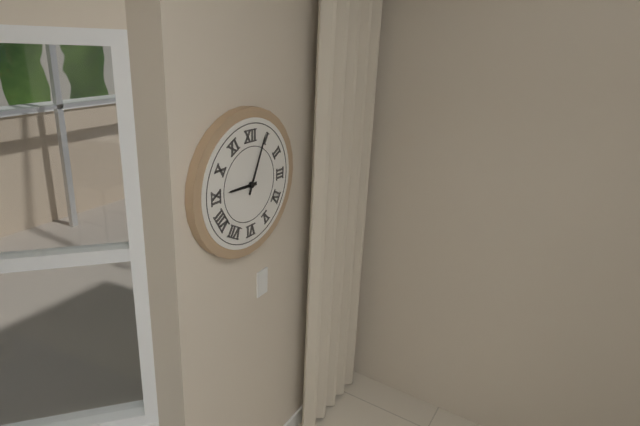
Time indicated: 9:04
